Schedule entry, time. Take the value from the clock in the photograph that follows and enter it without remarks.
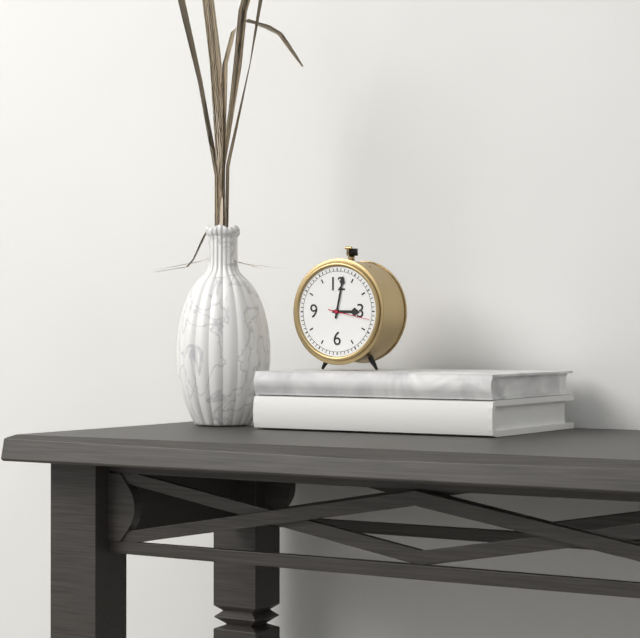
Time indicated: 3:02
